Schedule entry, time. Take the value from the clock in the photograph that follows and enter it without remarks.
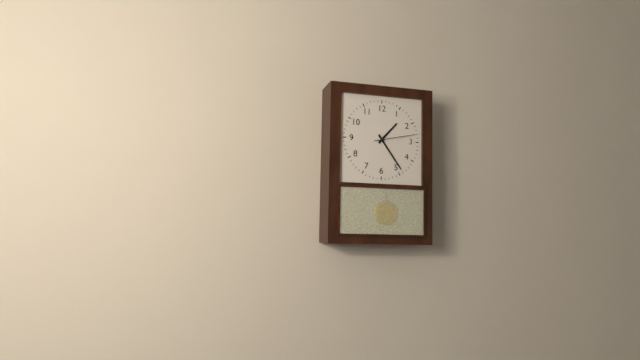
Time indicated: 1:24
